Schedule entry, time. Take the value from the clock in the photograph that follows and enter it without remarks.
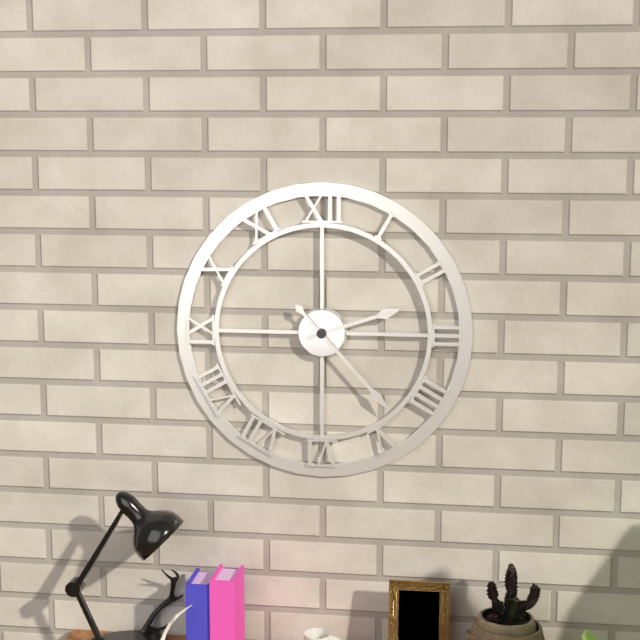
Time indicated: 2:23
